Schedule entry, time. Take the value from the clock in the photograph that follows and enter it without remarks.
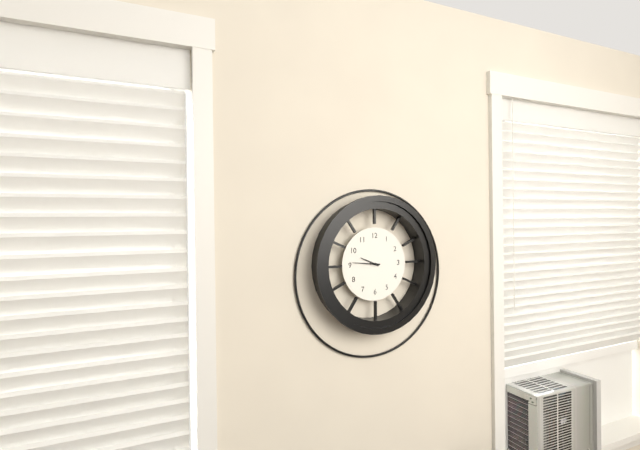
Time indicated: 9:46
